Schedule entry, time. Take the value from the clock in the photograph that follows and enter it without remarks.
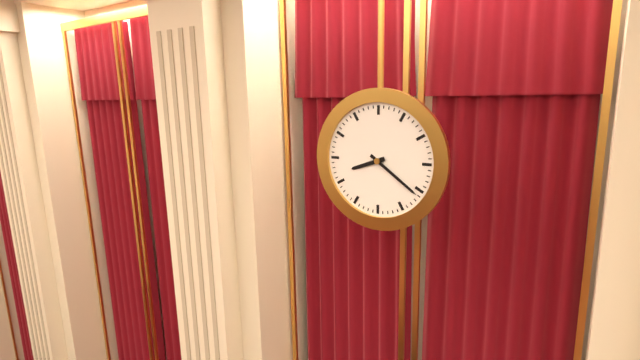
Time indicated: 8:21
